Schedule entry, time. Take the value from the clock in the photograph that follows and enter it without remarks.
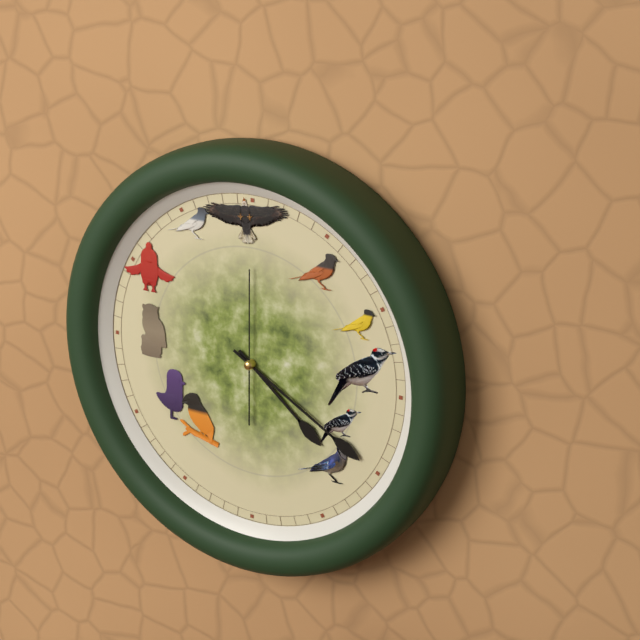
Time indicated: 4:20:00
